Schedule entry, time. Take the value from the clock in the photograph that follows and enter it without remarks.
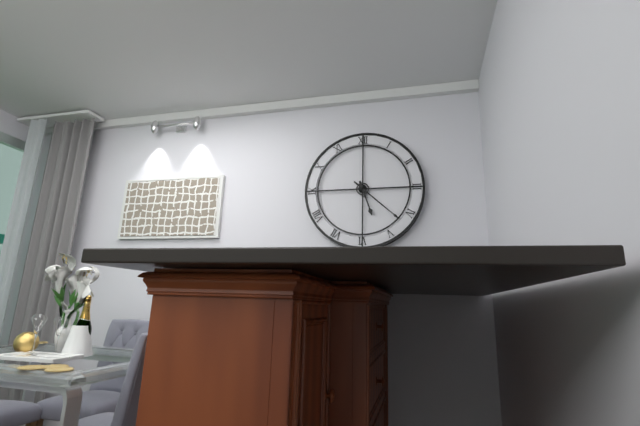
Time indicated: 5:22
